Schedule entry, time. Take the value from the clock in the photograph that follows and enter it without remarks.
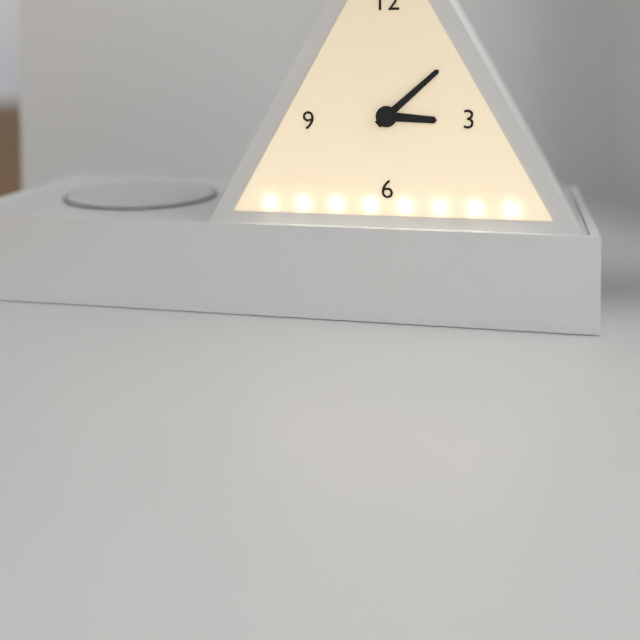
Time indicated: 3:08
